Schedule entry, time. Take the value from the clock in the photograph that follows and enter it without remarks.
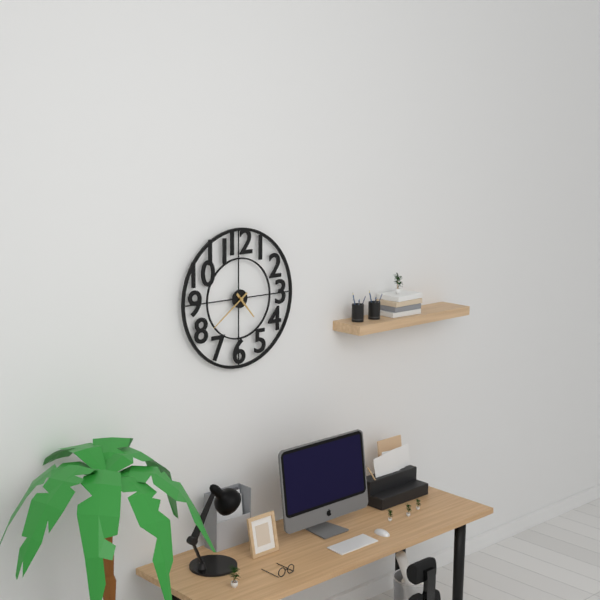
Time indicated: 4:39
